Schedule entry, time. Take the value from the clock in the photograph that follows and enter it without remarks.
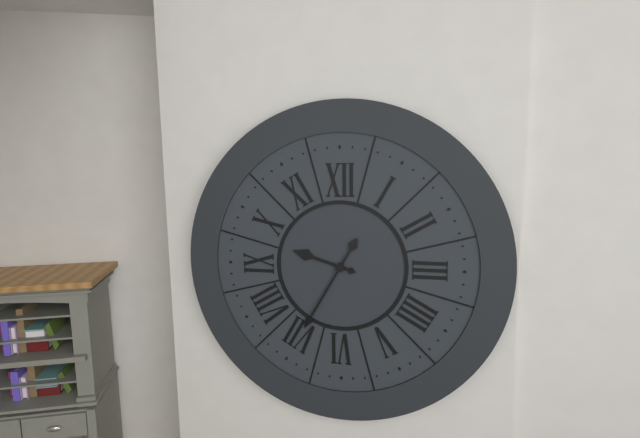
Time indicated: 9:35
